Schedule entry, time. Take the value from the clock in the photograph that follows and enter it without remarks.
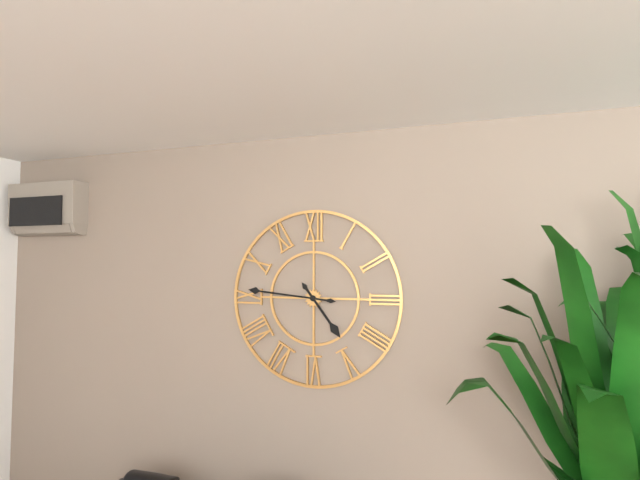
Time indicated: 4:46
